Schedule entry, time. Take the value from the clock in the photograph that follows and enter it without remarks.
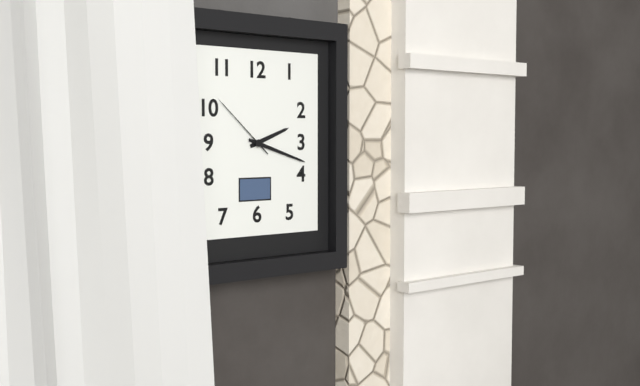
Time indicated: 2:18:52
